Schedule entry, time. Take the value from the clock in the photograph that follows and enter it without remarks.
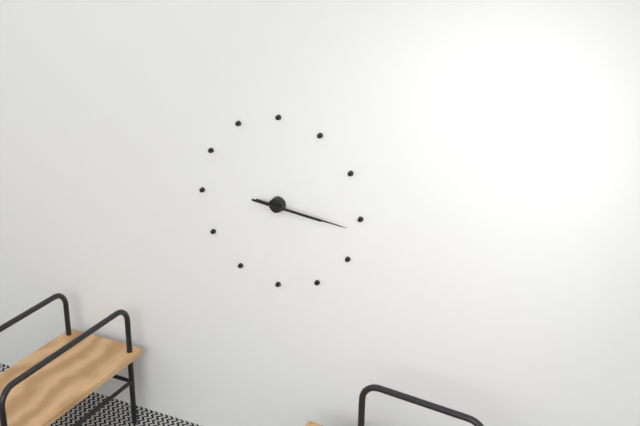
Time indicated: 3:16
